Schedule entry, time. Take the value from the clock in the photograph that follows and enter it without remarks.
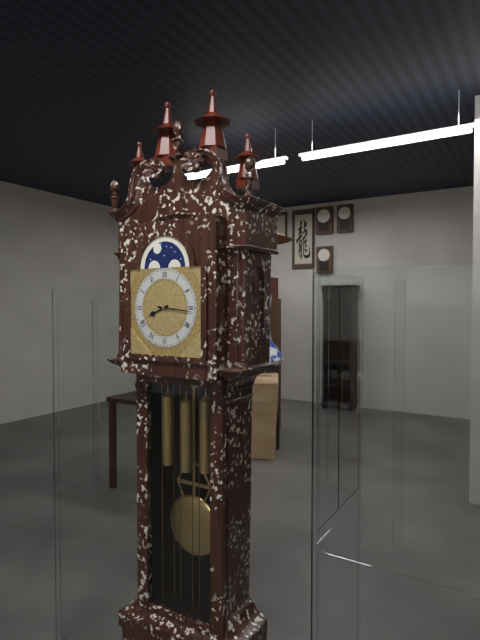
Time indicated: 8:16
